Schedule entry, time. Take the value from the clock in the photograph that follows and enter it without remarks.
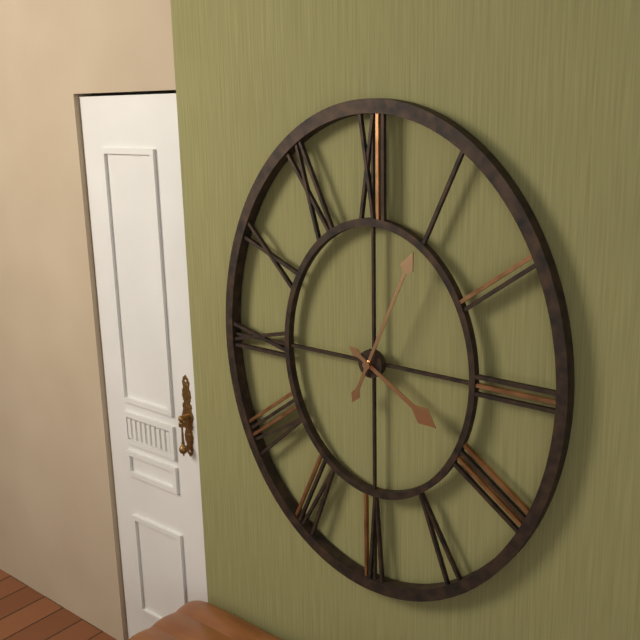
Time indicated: 4:04
